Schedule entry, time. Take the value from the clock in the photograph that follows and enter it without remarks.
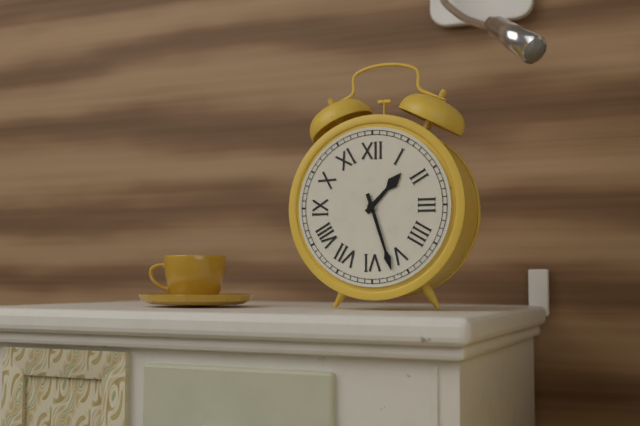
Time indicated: 1:27
